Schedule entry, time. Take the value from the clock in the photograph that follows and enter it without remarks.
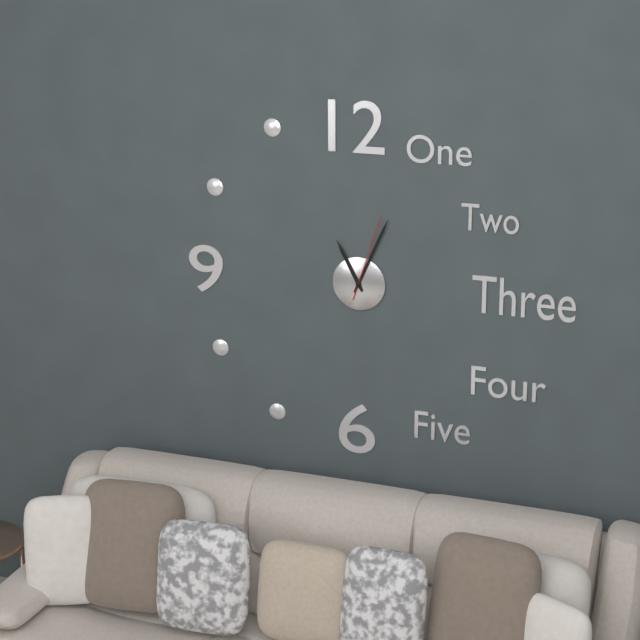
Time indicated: 11:04:03
